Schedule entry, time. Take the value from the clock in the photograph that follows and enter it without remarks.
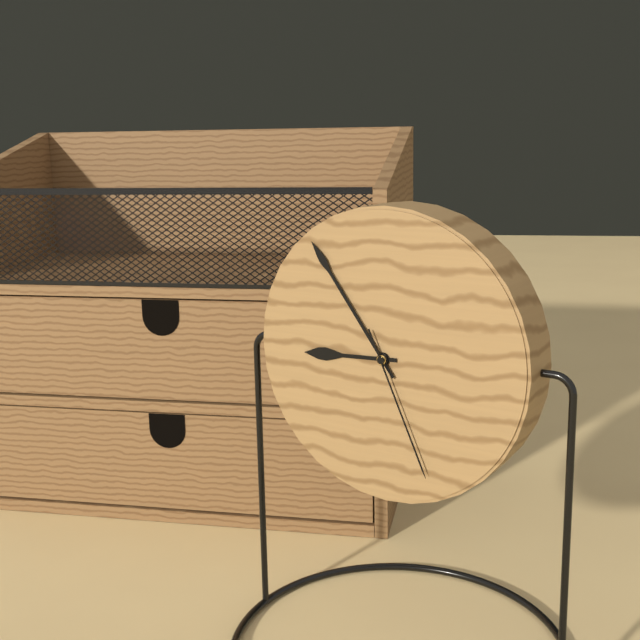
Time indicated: 8:54:26
